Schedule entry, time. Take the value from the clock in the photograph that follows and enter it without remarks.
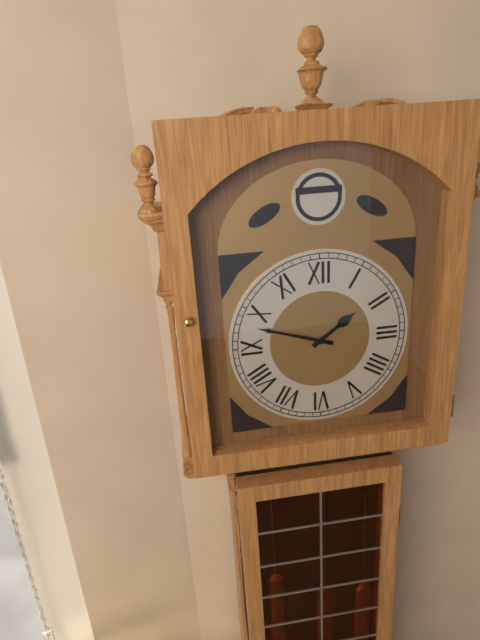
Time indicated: 1:48
